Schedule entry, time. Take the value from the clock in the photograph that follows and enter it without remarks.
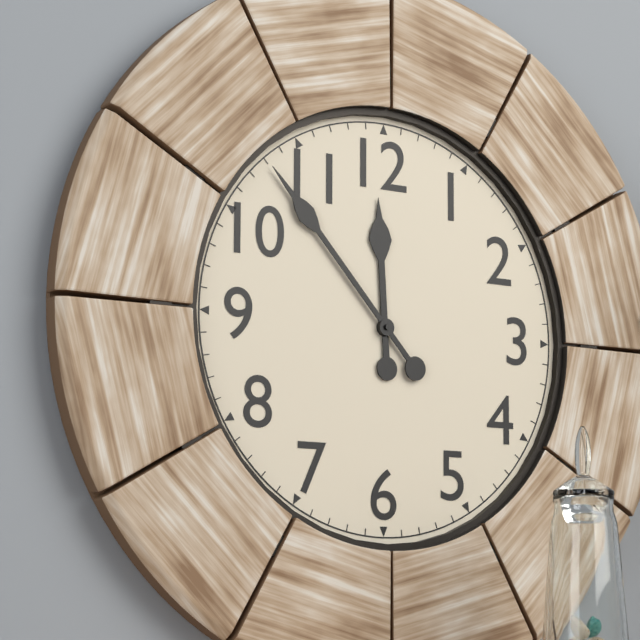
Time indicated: 11:53
